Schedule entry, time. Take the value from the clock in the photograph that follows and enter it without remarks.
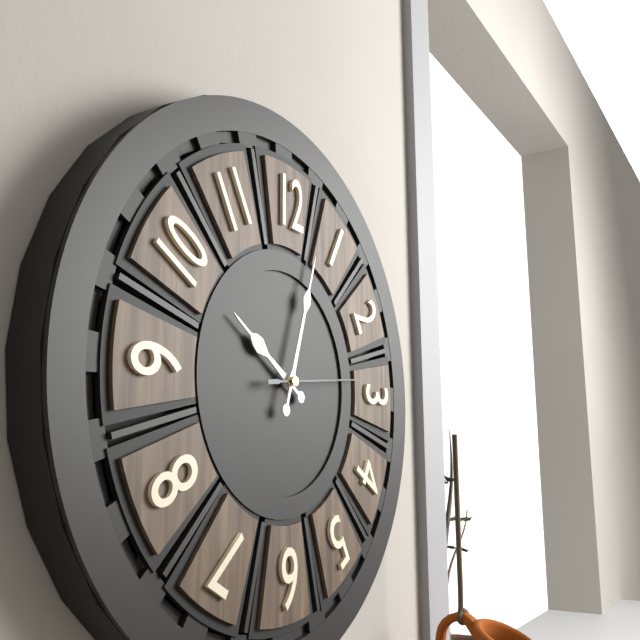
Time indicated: 10:03:14
